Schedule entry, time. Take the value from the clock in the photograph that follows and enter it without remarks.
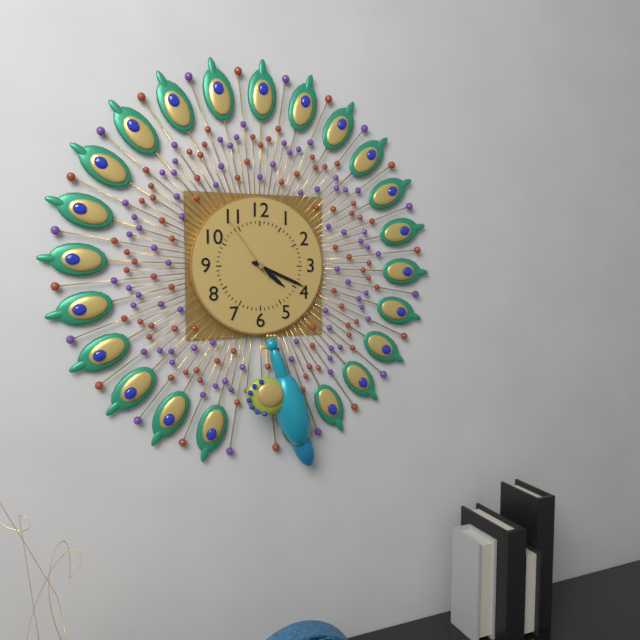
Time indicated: 4:19:54
